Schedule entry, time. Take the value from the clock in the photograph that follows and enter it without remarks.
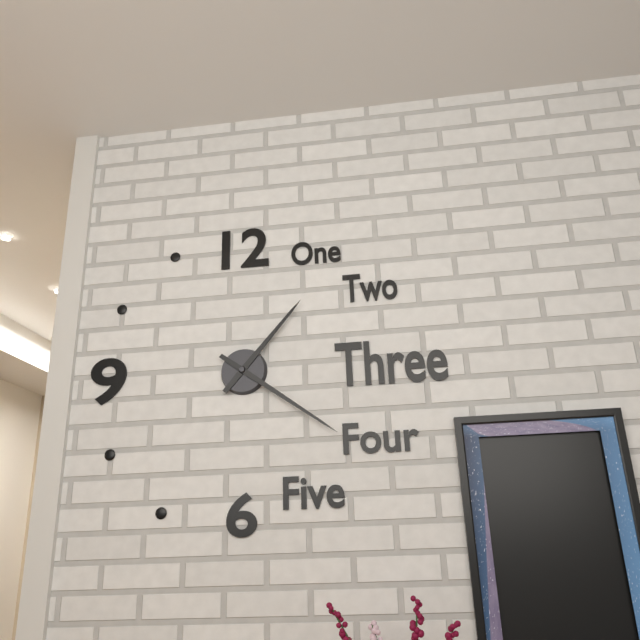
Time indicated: 1:21
